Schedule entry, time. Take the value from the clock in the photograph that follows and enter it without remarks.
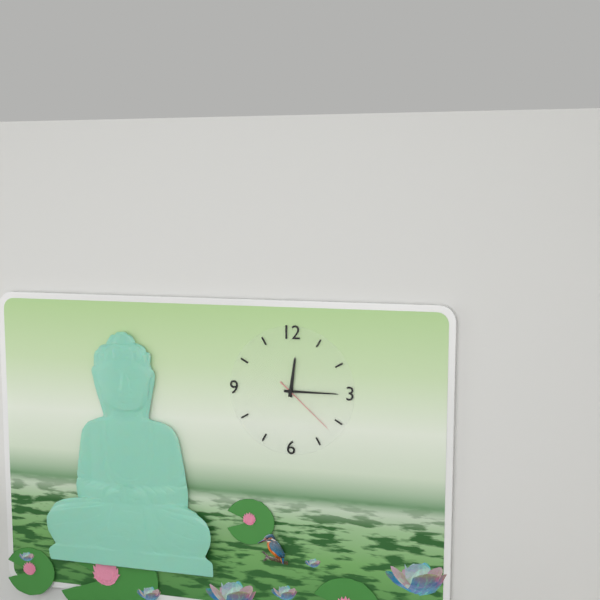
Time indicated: 12:15:22
